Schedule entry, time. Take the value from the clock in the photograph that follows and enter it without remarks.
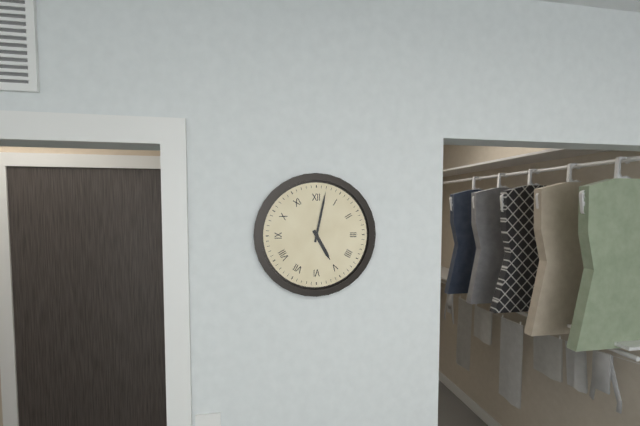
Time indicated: 5:02
